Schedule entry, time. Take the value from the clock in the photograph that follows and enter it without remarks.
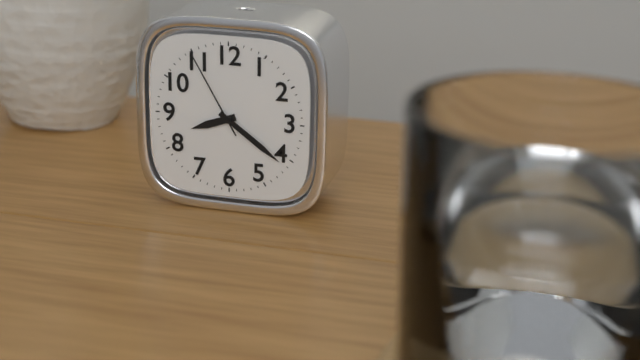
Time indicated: 8:21:55
